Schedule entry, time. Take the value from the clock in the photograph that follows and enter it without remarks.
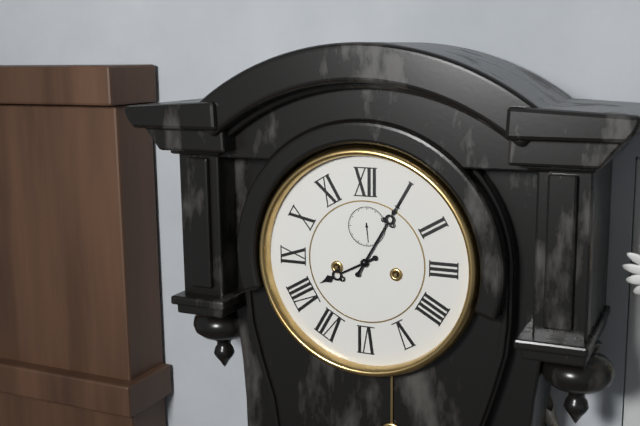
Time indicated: 8:05
